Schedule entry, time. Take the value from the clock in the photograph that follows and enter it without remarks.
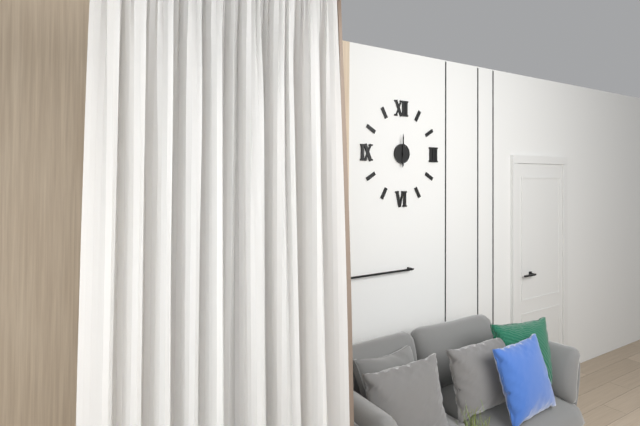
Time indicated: 6:00
